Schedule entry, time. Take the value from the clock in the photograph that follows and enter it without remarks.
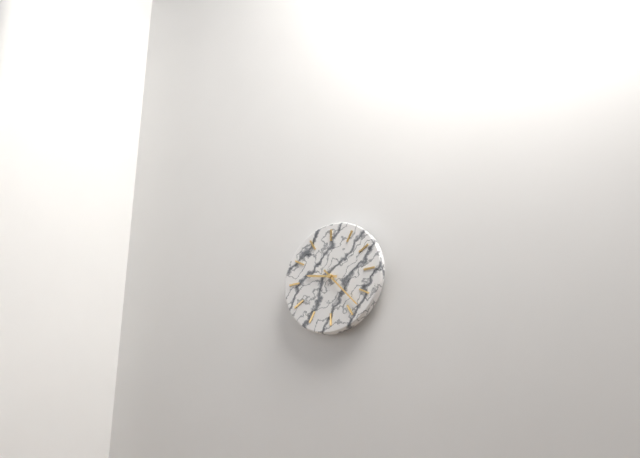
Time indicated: 9:23
